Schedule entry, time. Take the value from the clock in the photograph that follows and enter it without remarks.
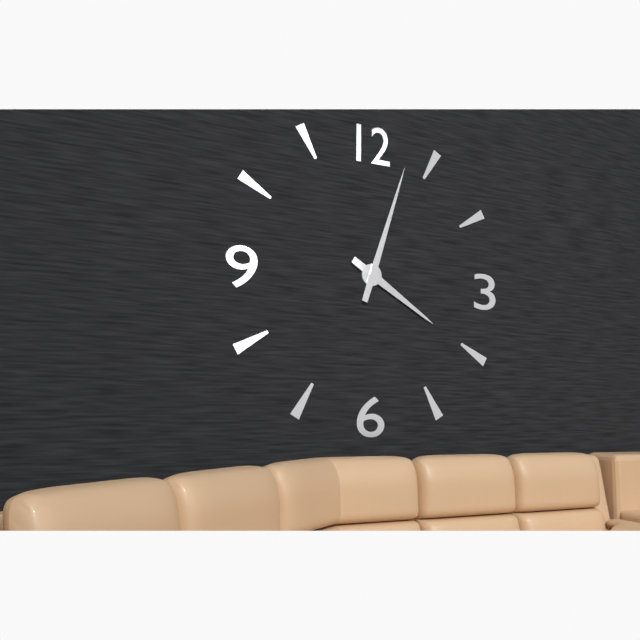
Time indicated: 4:03
